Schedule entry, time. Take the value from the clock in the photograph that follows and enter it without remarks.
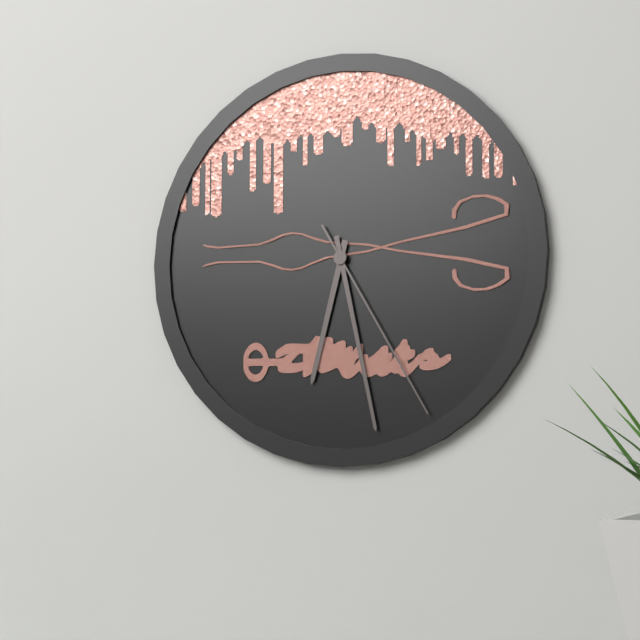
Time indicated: 6:28:25
